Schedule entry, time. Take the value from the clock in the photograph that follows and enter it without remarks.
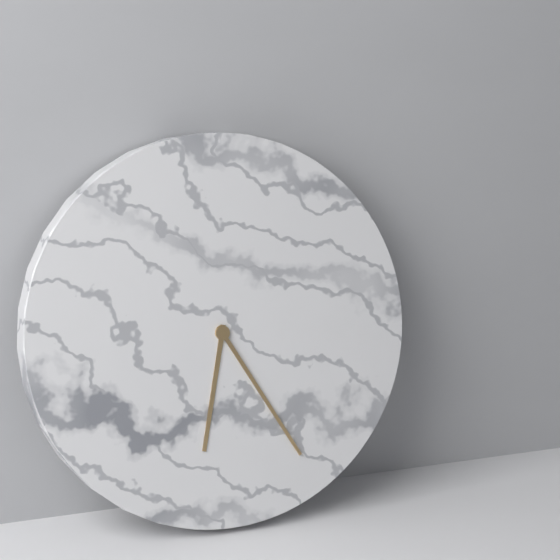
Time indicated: 6:25
